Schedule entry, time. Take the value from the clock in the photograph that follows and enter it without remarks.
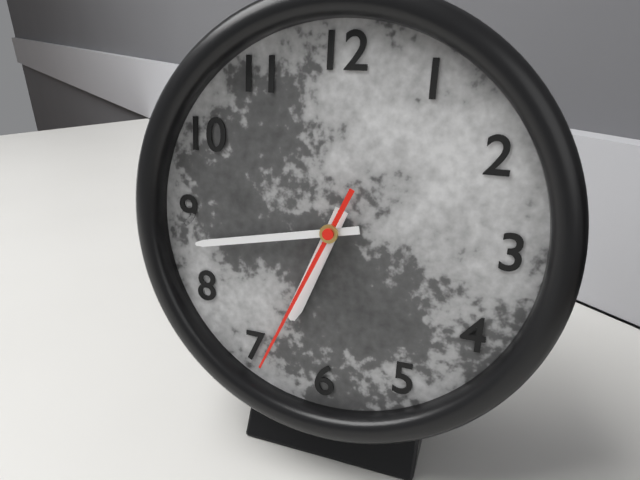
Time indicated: 6:43:34
